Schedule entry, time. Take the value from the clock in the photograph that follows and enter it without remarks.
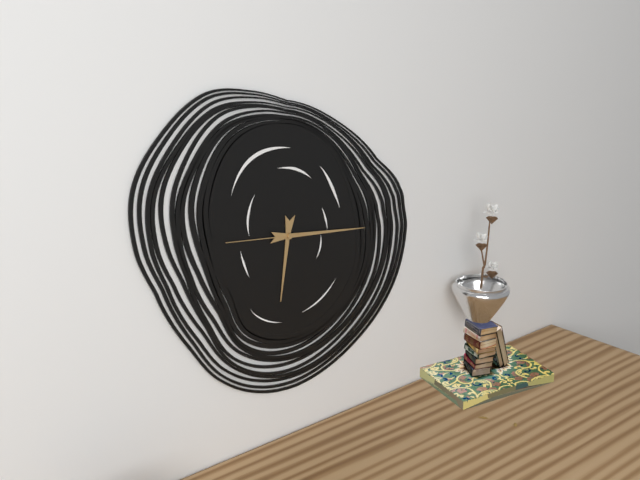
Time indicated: 6:16:46
